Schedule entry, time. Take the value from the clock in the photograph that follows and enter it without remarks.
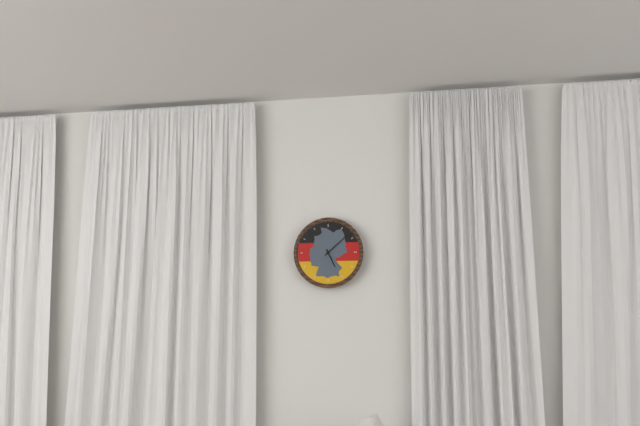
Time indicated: 5:08
